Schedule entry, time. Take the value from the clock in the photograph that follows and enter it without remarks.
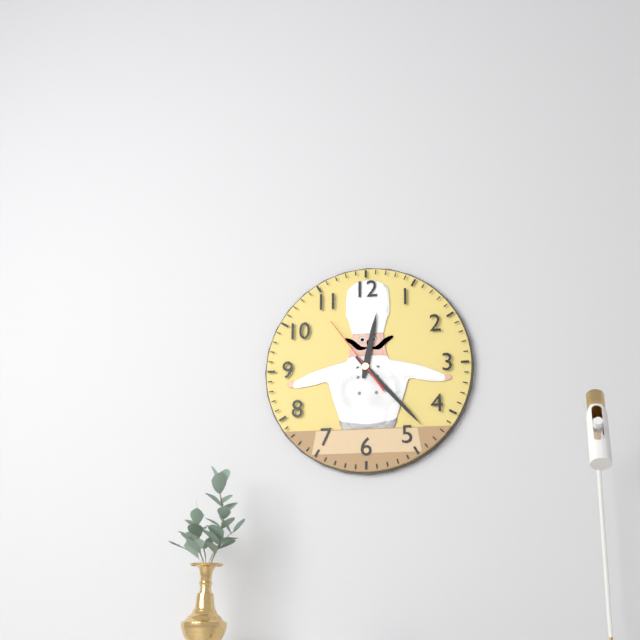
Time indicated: 12:23:54
